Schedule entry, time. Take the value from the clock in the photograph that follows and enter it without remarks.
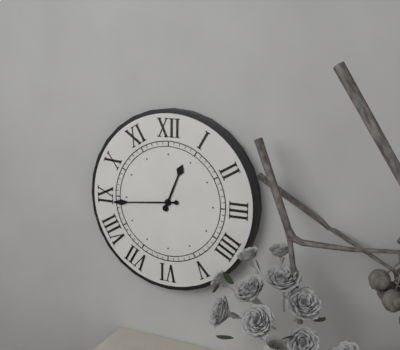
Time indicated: 12:44
